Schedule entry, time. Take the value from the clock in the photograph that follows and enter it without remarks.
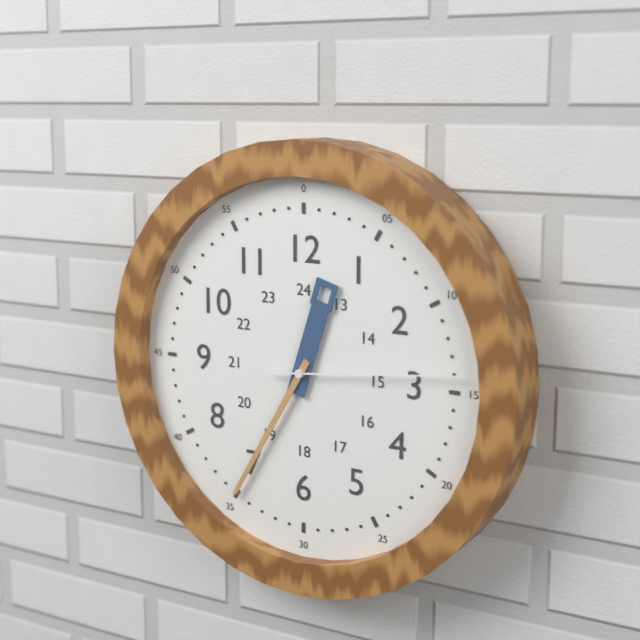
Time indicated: 12:35:14
